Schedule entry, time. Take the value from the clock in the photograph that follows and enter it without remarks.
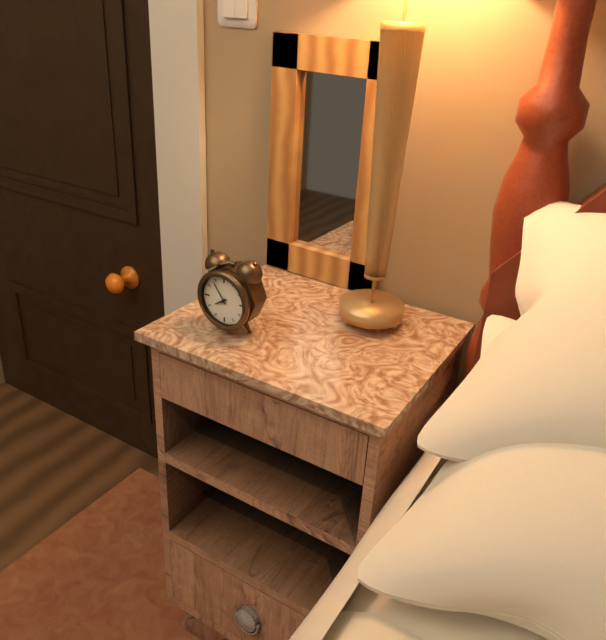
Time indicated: 7:54
